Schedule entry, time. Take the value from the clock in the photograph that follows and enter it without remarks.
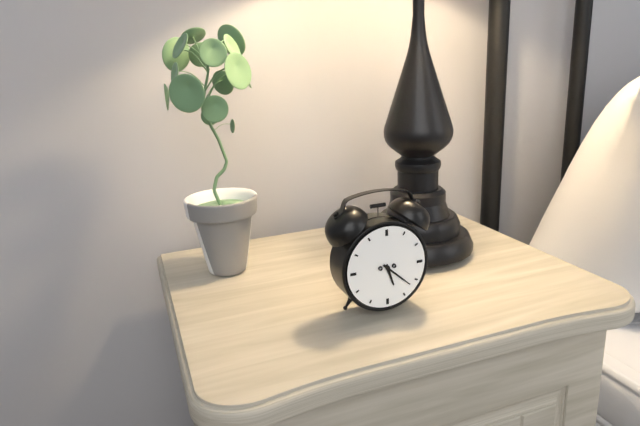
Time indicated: 5:22
